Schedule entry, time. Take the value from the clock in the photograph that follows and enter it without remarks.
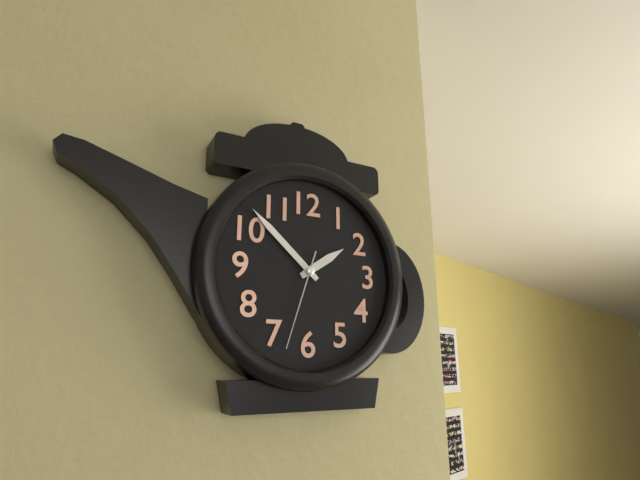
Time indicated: 1:52:33
